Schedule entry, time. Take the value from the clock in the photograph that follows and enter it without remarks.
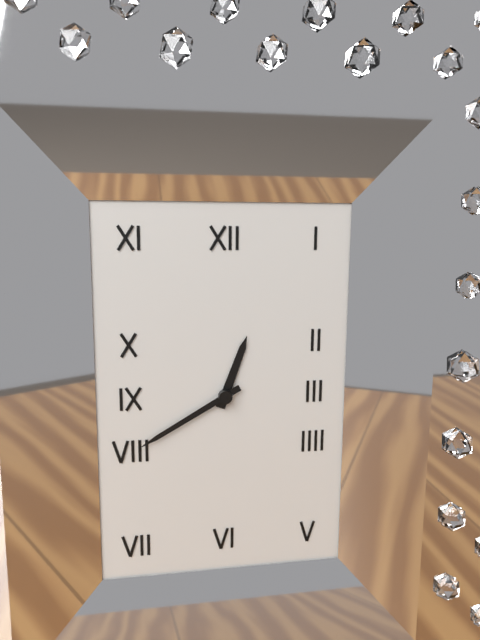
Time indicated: 12:40
